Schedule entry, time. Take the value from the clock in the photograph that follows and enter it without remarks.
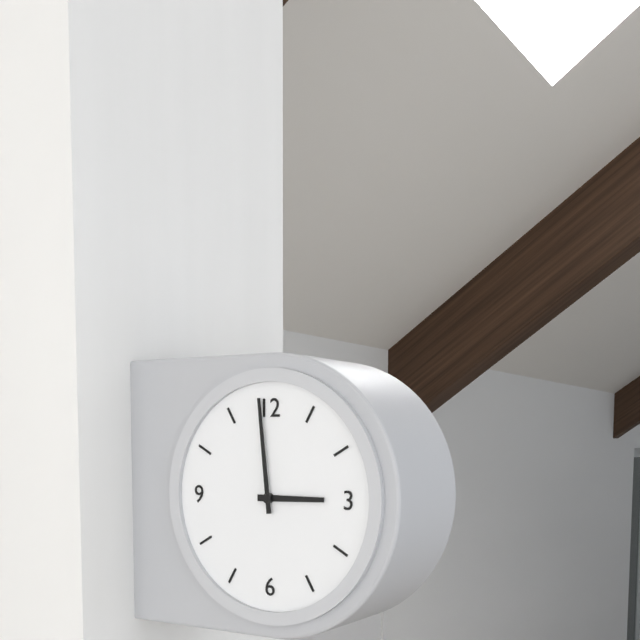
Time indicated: 2:59
